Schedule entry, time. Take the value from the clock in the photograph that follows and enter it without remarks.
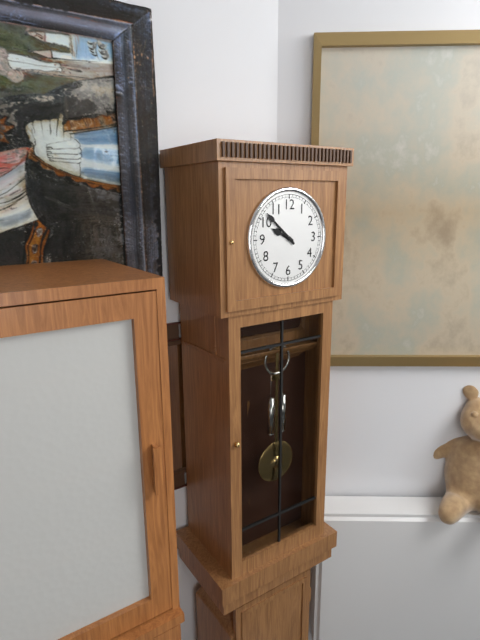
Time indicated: 9:52
